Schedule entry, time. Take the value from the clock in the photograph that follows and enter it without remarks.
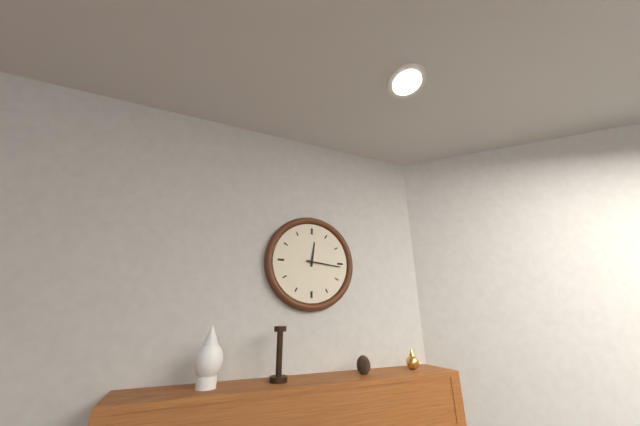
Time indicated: 12:16
